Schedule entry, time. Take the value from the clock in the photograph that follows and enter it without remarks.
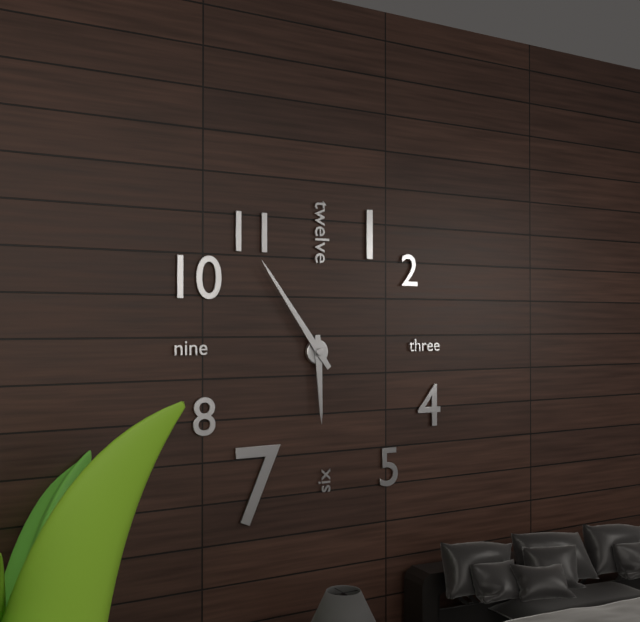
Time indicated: 5:54
